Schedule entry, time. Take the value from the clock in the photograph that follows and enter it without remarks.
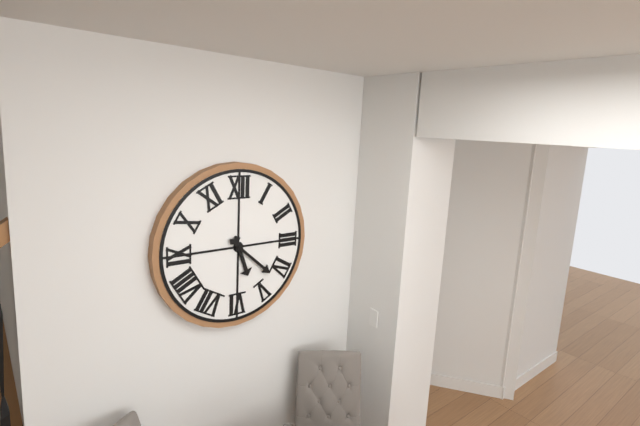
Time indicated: 5:22
